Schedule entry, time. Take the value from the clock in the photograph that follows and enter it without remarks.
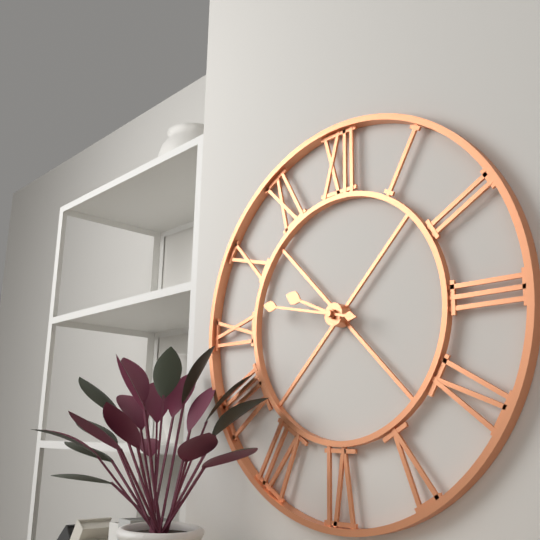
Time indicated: 9:47
